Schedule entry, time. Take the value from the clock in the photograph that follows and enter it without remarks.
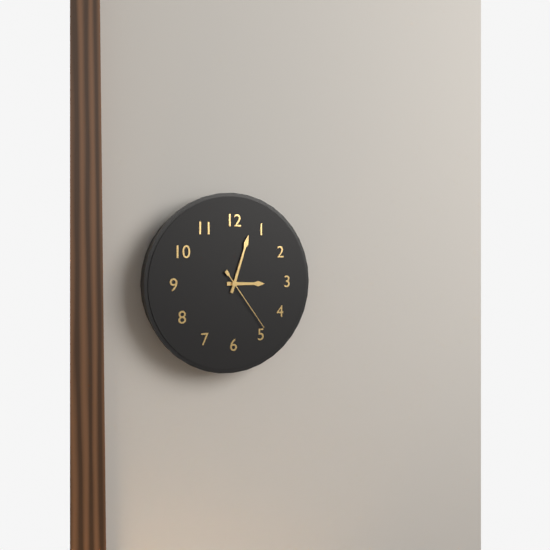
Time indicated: 3:03:24
